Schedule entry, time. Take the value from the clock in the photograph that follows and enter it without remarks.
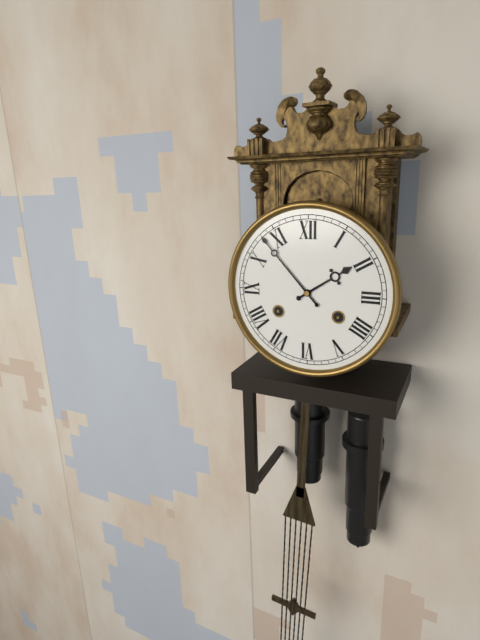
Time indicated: 1:53
